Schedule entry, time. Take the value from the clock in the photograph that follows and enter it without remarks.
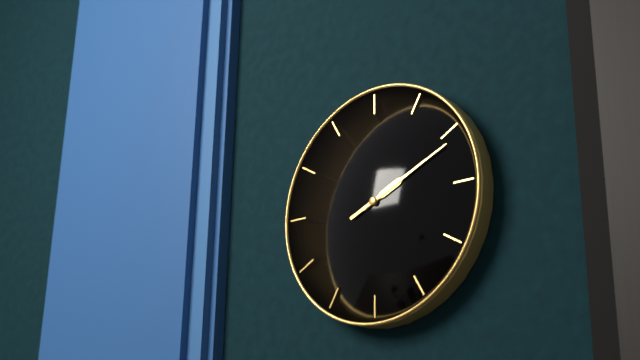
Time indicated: 2:11
